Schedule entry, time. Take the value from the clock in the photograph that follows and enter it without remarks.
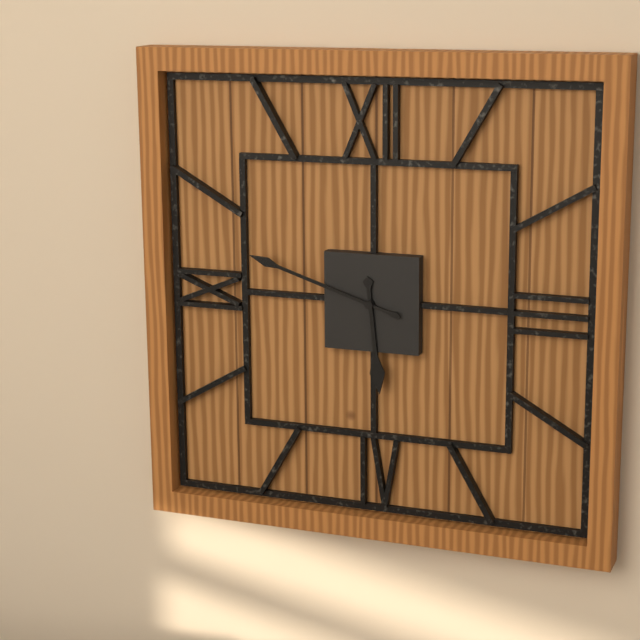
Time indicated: 5:48
